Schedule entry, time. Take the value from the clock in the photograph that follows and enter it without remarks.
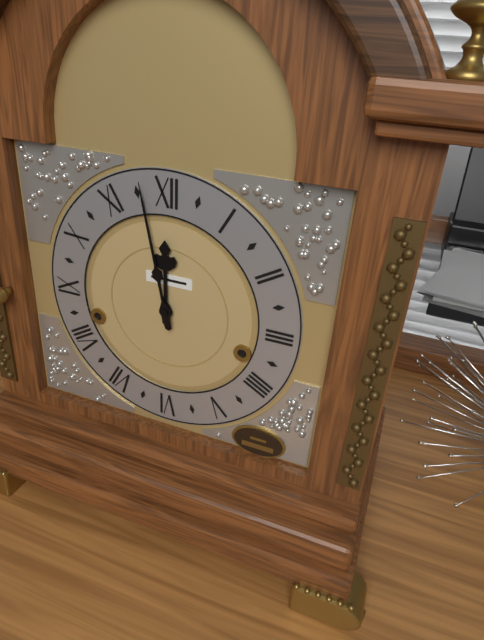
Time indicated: 11:58
